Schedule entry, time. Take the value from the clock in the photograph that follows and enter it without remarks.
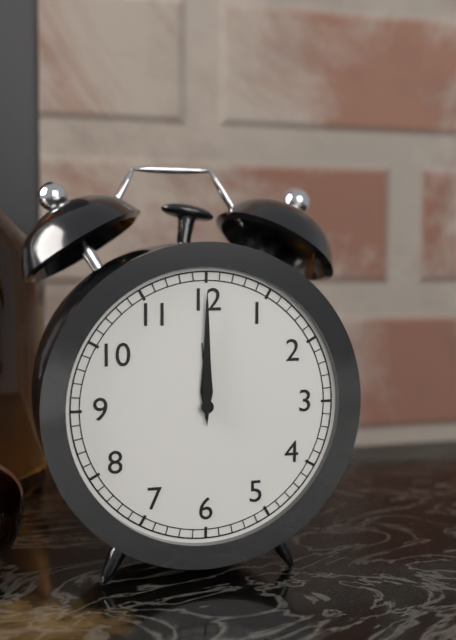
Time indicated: 12:00
